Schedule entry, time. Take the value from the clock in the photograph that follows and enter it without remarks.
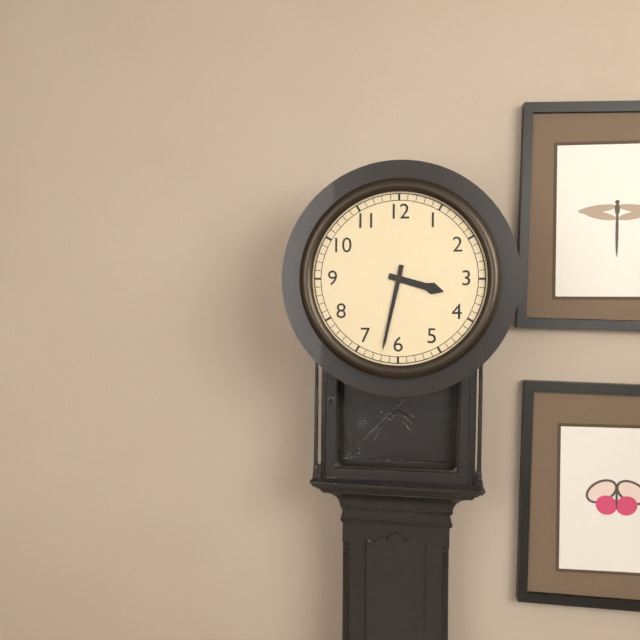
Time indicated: 3:32
